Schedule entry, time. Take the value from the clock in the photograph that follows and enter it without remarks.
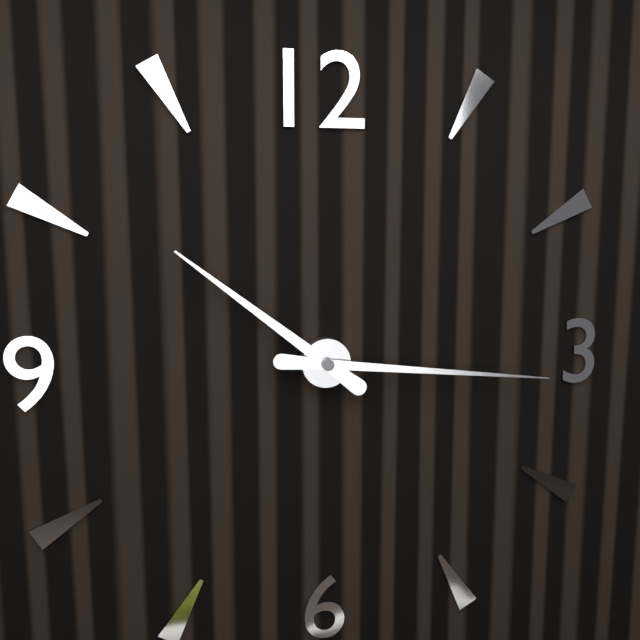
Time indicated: 10:16
